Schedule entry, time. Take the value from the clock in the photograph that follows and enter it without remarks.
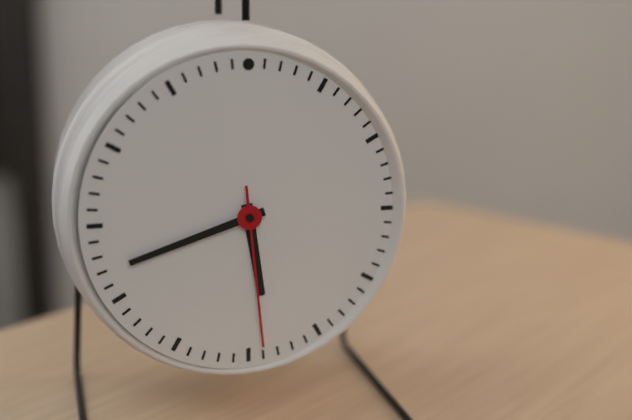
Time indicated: 5:42:29
